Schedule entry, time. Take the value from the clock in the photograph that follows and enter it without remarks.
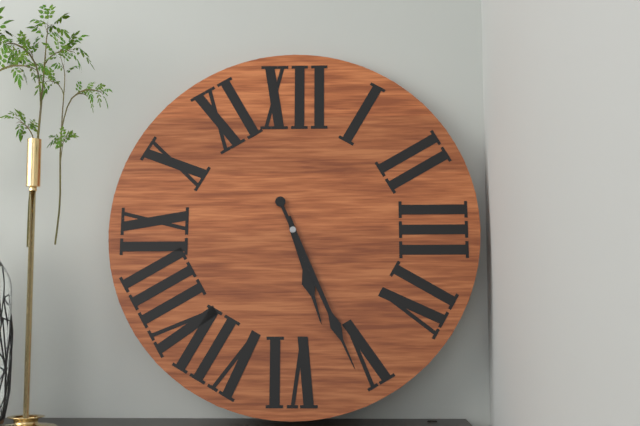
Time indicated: 5:26
